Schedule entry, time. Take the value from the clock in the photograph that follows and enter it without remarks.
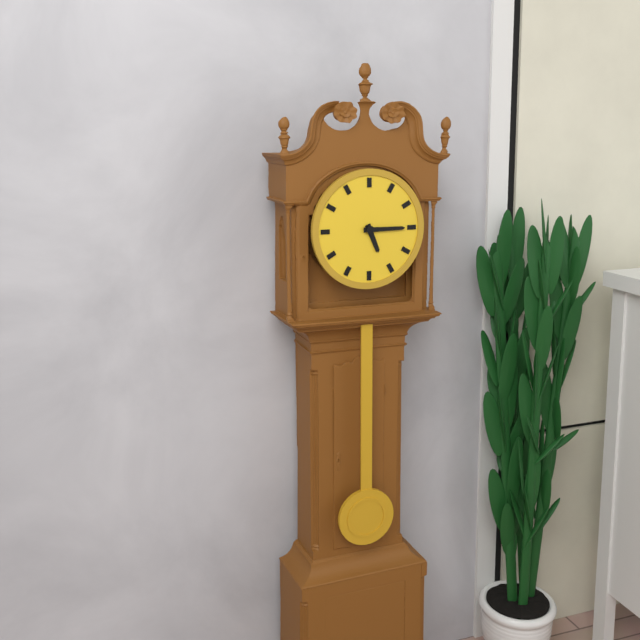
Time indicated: 5:15
